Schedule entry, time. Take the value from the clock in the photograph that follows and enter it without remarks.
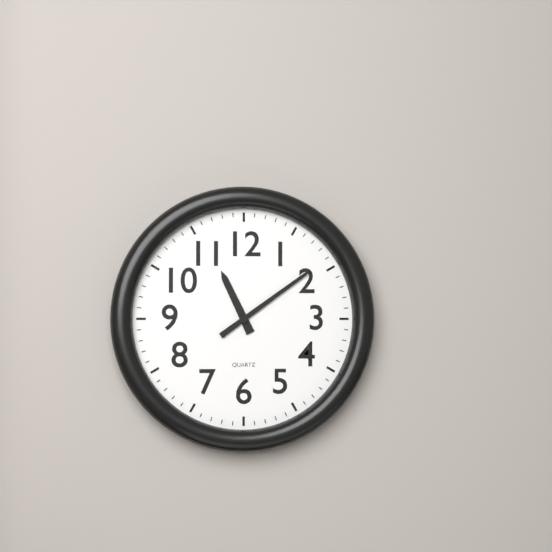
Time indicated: 11:09
